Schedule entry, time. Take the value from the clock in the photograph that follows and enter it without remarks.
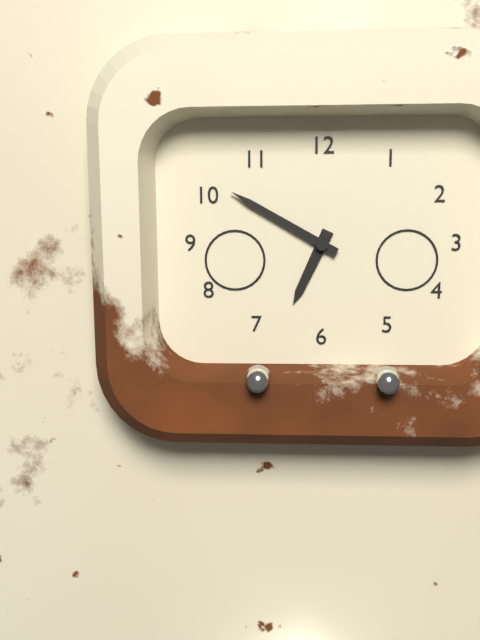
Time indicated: 6:50
